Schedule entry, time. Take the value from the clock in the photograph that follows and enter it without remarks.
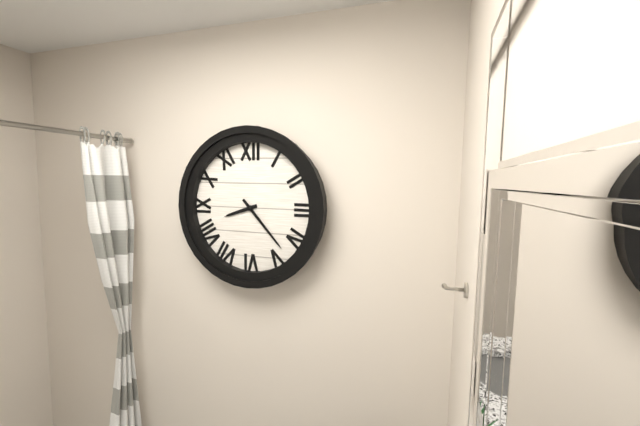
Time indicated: 8:23
